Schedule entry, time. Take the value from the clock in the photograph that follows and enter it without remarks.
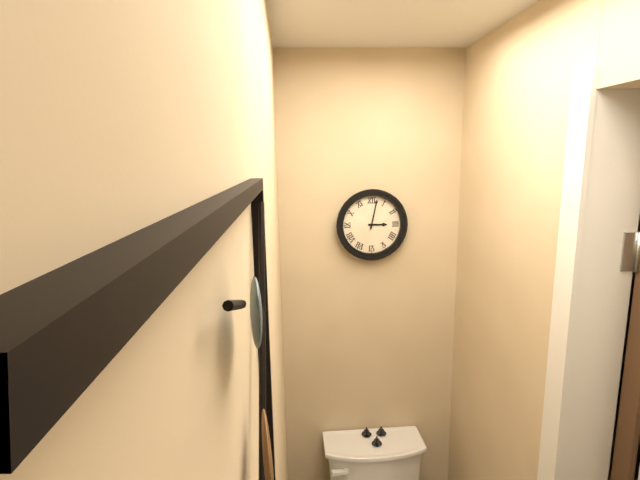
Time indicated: 3:02
